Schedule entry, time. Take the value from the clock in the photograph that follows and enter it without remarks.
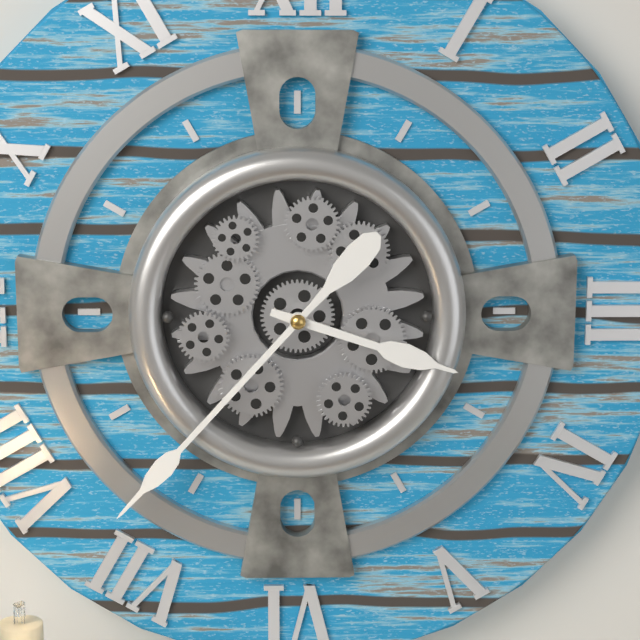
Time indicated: 3:37
